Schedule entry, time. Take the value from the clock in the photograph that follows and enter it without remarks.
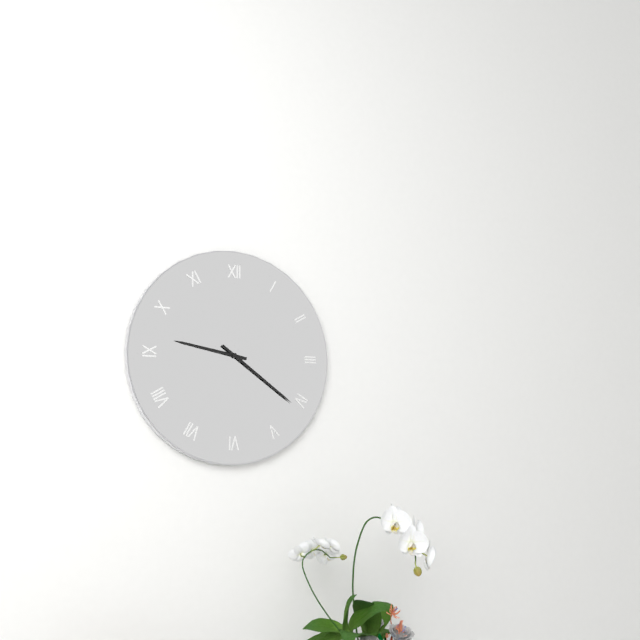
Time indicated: 9:21
